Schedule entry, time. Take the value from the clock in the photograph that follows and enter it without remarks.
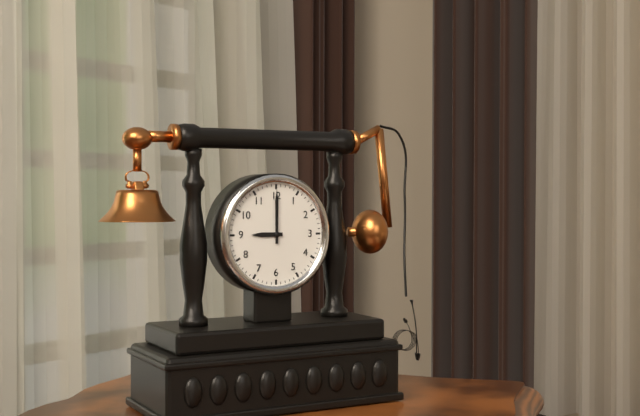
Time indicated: 9:00
